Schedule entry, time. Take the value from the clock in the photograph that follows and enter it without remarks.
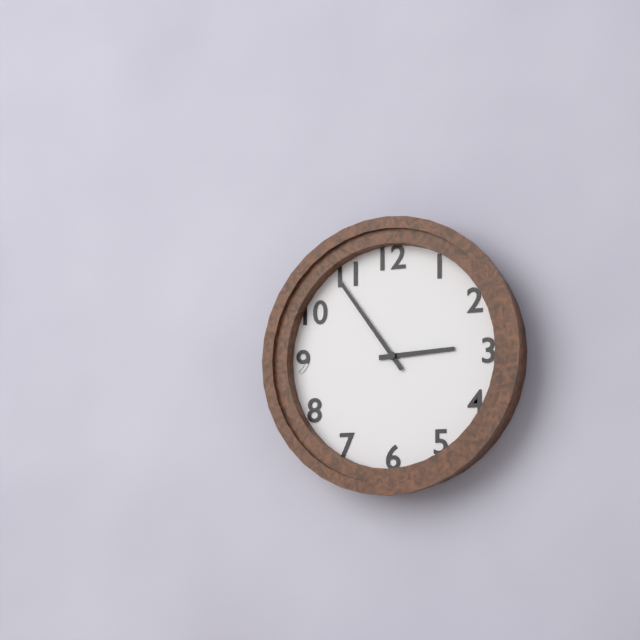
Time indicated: 2:54
